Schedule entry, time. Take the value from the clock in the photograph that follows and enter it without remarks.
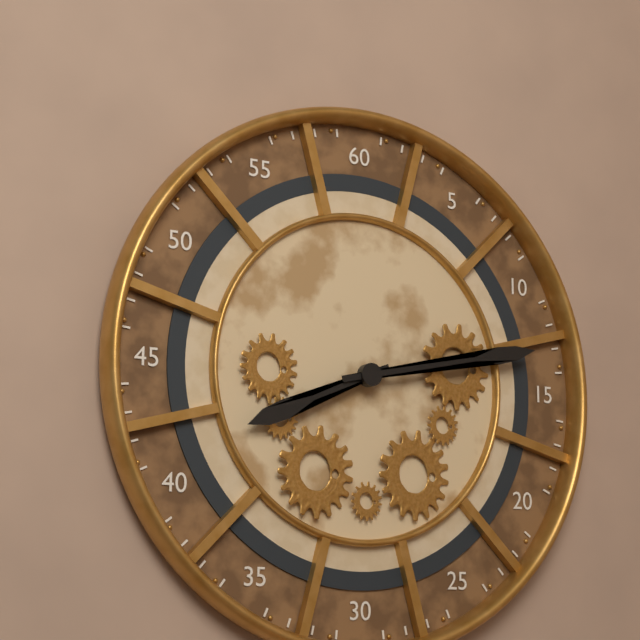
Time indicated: 8:13
